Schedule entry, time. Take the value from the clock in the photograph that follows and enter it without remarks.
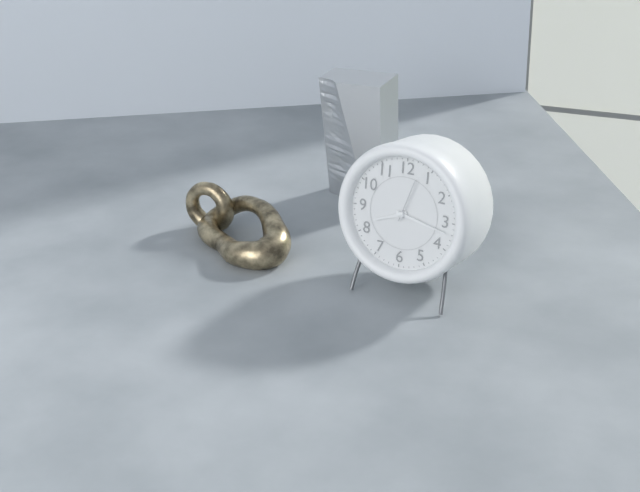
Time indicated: 8:17
